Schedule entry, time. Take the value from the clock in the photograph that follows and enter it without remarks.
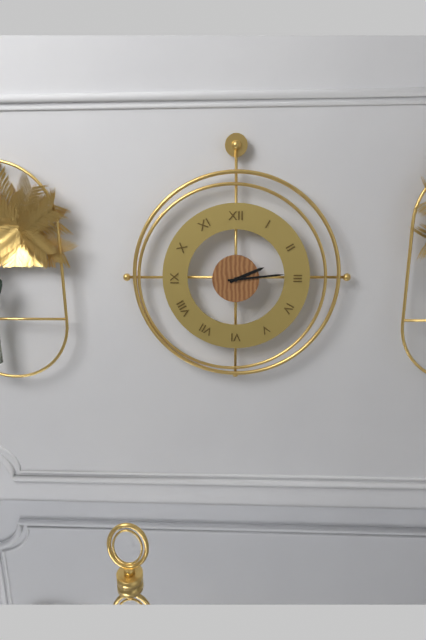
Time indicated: 2:14
